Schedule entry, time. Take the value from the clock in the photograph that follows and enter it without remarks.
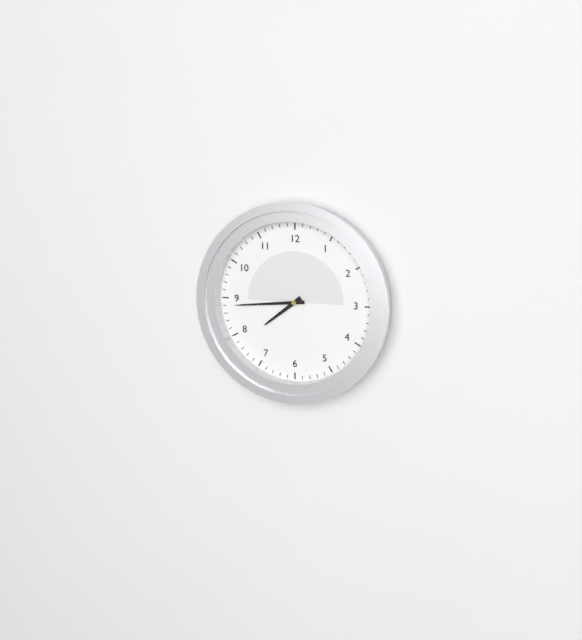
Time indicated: 7:44
